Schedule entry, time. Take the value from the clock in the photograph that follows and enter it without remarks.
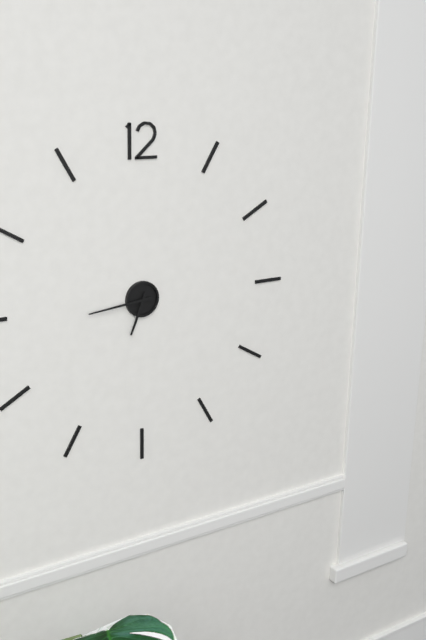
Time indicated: 6:44
